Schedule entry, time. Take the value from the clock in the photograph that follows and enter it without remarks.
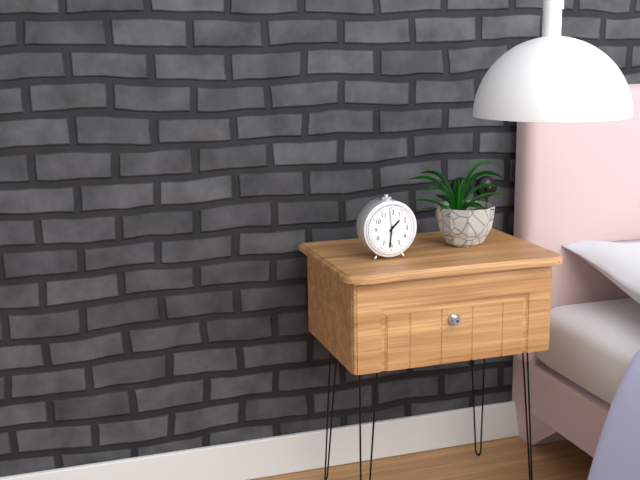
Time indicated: 1:31
